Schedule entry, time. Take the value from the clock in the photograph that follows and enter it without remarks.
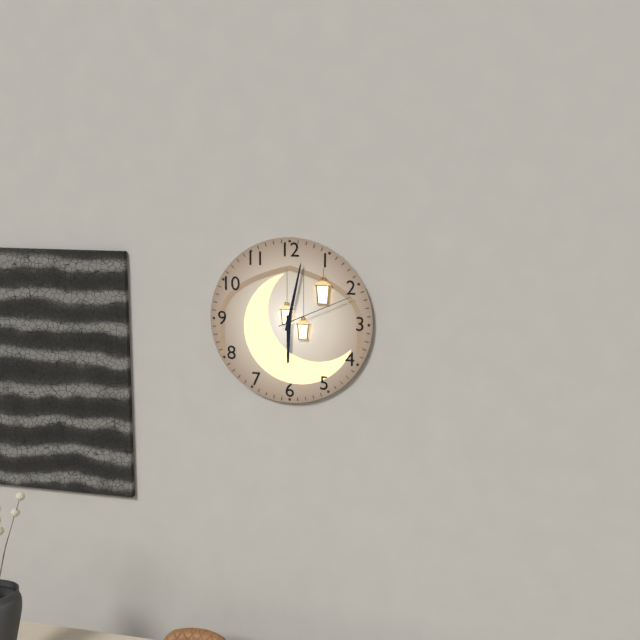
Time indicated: 6:02:11
